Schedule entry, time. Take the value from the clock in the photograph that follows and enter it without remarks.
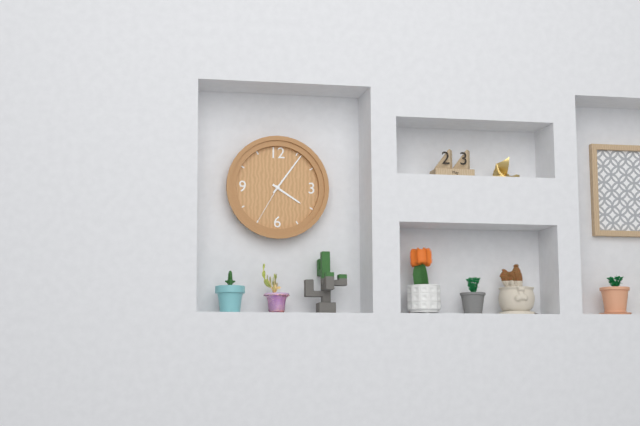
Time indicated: 4:06:35
